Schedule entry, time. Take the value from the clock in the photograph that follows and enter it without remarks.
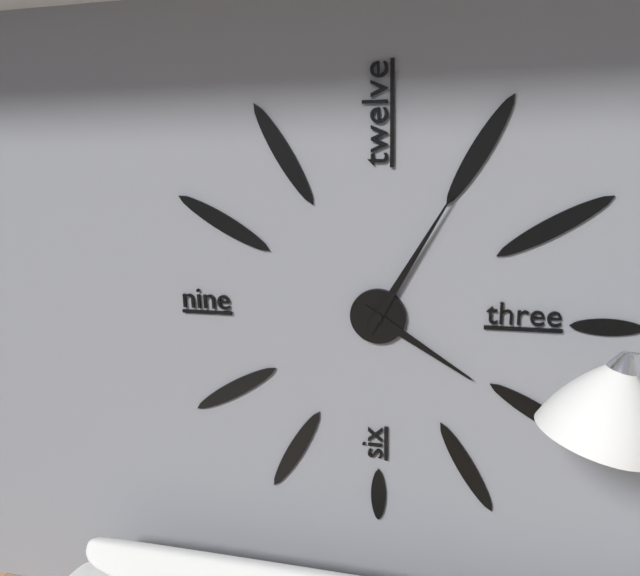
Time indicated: 4:05
